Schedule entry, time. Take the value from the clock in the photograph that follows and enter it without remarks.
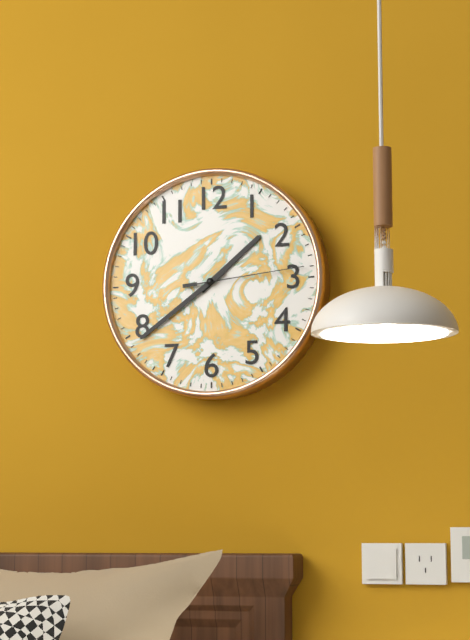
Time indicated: 1:39:14
